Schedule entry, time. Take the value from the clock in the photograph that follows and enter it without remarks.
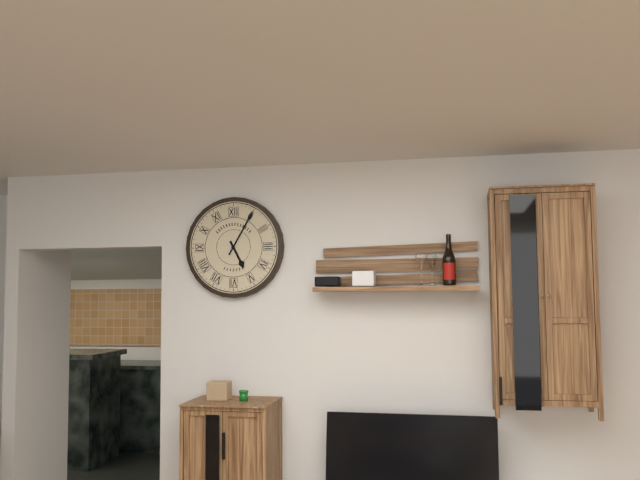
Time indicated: 5:05
